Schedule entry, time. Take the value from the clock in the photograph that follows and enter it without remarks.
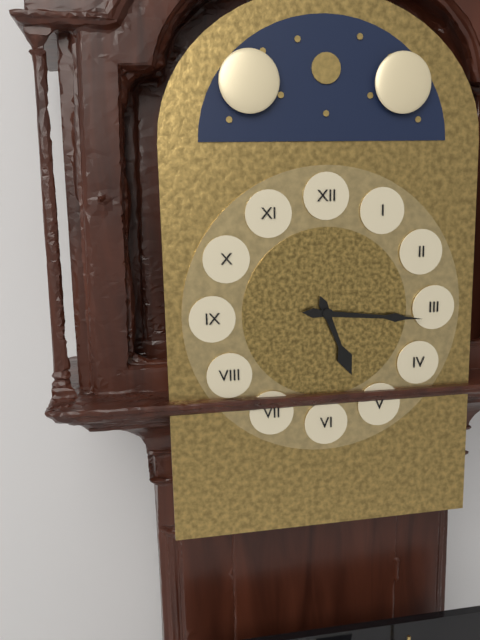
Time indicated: 5:16
